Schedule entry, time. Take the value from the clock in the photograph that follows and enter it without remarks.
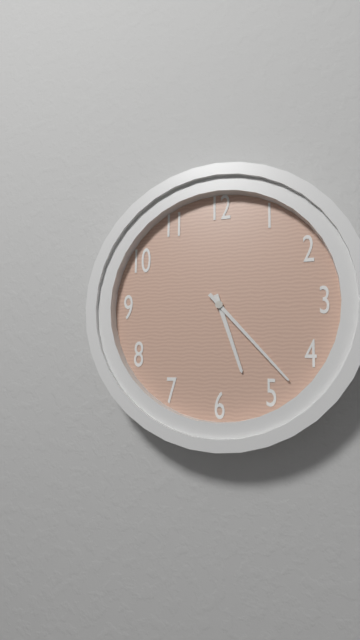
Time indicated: 5:23
